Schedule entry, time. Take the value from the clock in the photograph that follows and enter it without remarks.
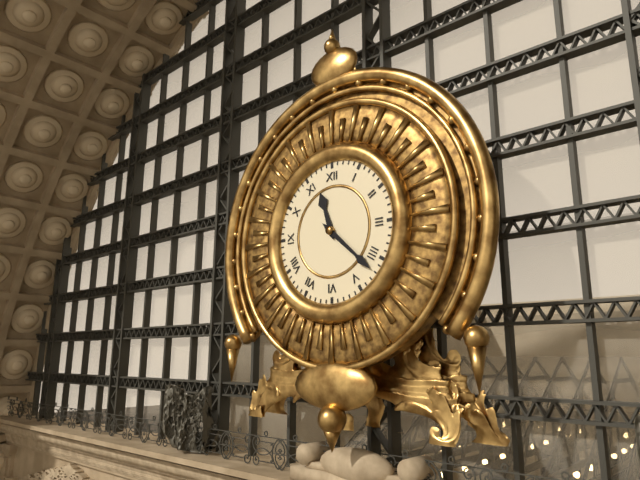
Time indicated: 11:22
